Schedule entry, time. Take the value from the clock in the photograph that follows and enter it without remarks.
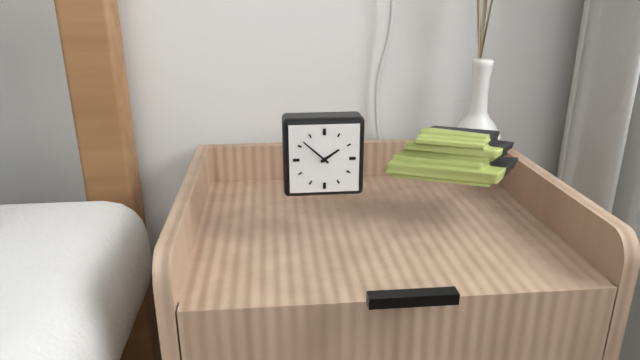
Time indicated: 1:52
